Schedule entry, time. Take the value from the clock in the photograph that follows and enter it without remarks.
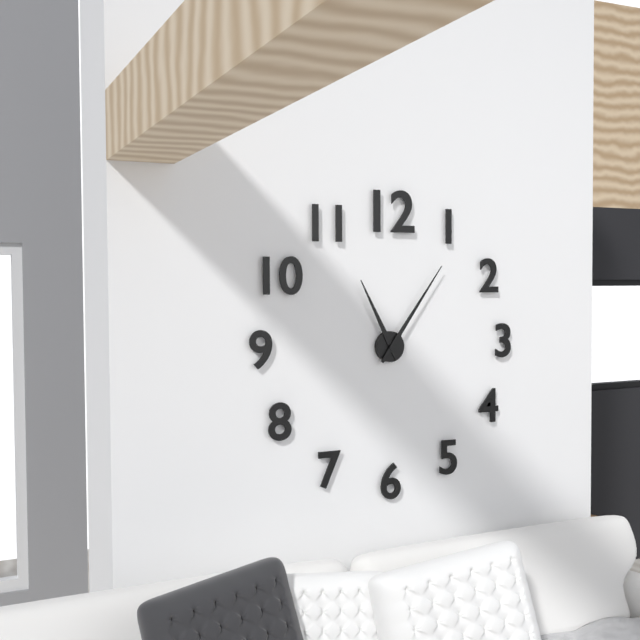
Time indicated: 11:06
